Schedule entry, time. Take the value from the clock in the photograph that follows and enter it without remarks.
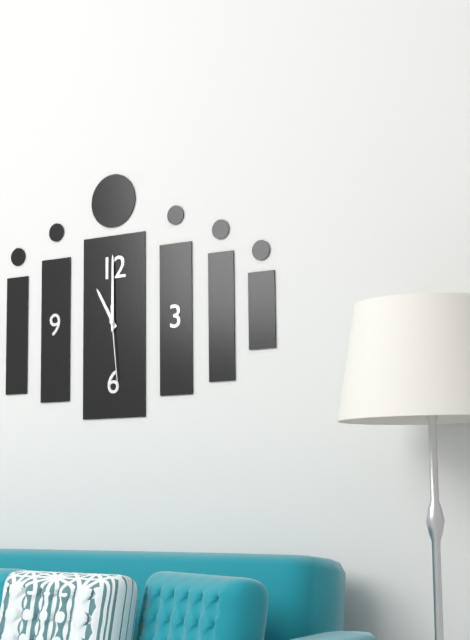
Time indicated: 11:00:29
